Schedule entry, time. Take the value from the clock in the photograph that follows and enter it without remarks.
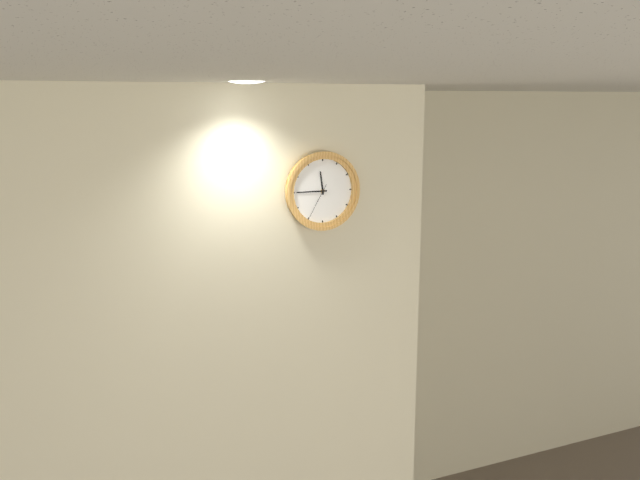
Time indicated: 11:45
